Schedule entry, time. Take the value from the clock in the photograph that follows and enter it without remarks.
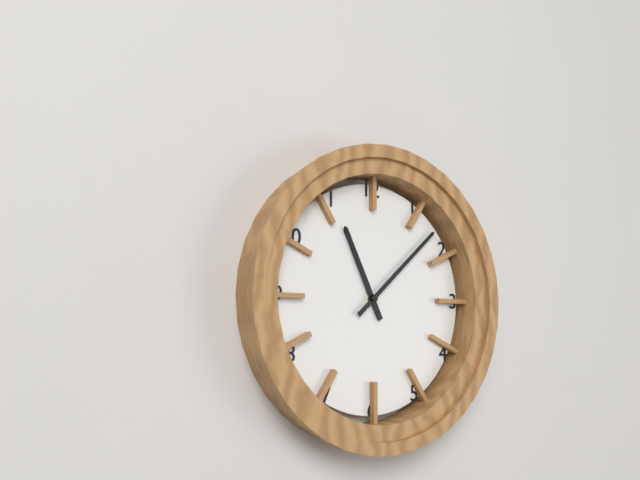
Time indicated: 11:08
